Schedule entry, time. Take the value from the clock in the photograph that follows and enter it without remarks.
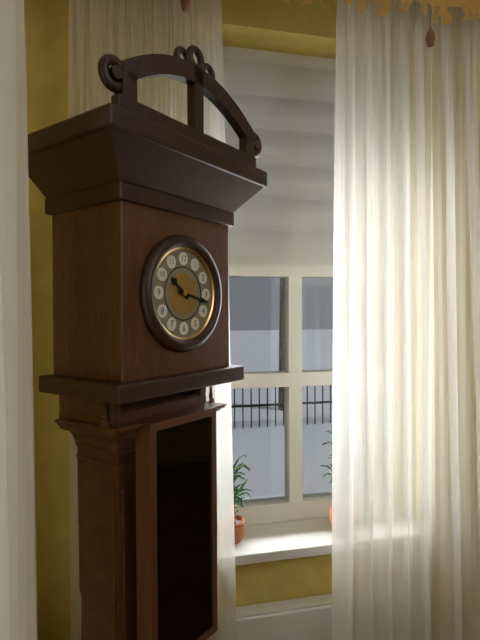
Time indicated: 10:17
